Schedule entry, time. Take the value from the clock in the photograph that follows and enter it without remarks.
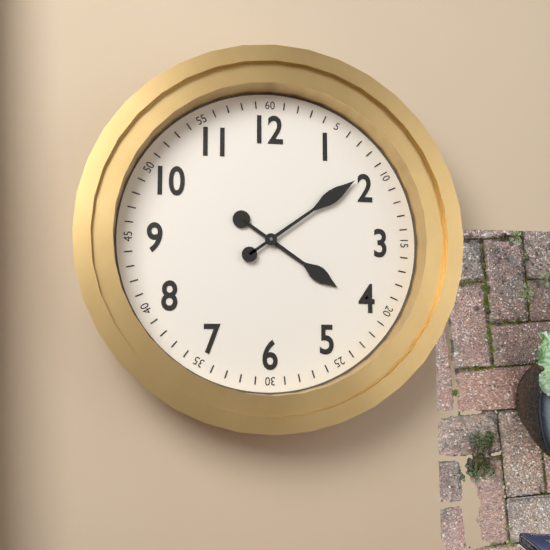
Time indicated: 4:09
